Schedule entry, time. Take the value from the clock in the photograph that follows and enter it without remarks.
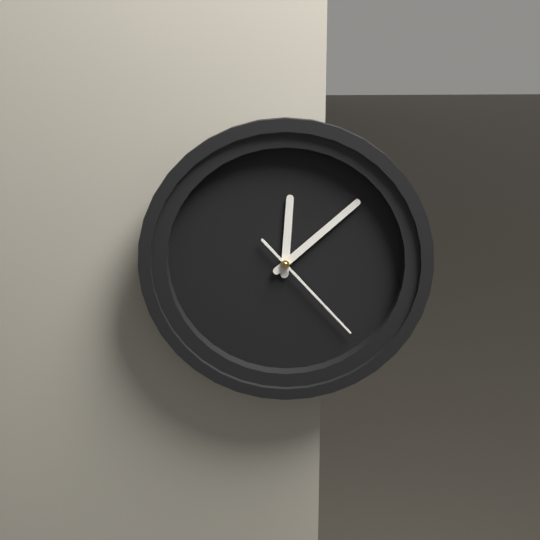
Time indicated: 12:08:23
